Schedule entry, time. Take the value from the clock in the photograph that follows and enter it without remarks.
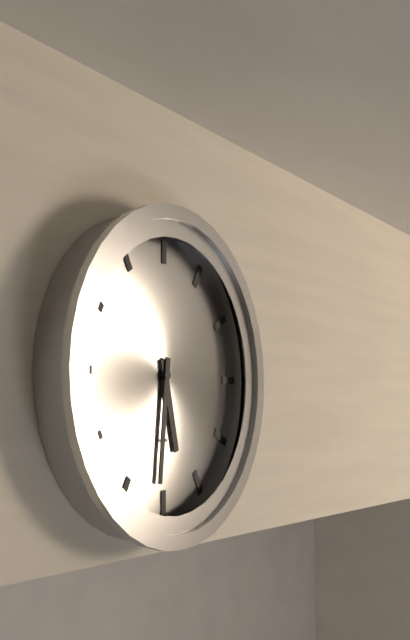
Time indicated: 5:31
